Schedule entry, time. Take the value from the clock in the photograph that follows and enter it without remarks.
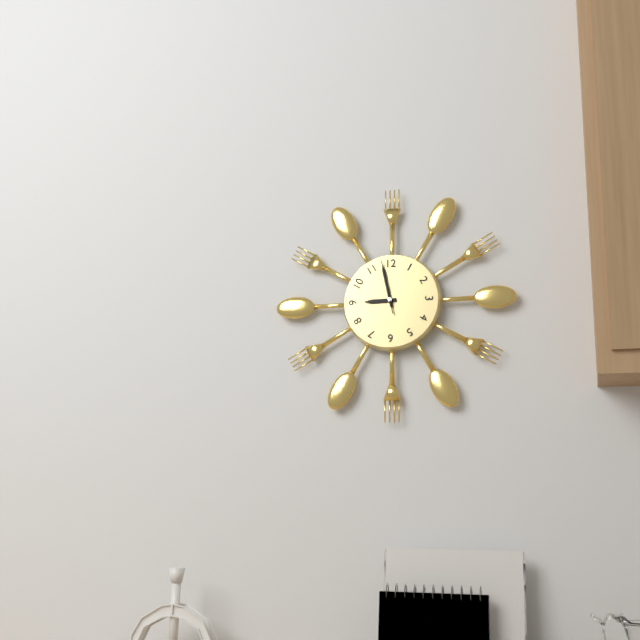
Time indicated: 8:58:58
